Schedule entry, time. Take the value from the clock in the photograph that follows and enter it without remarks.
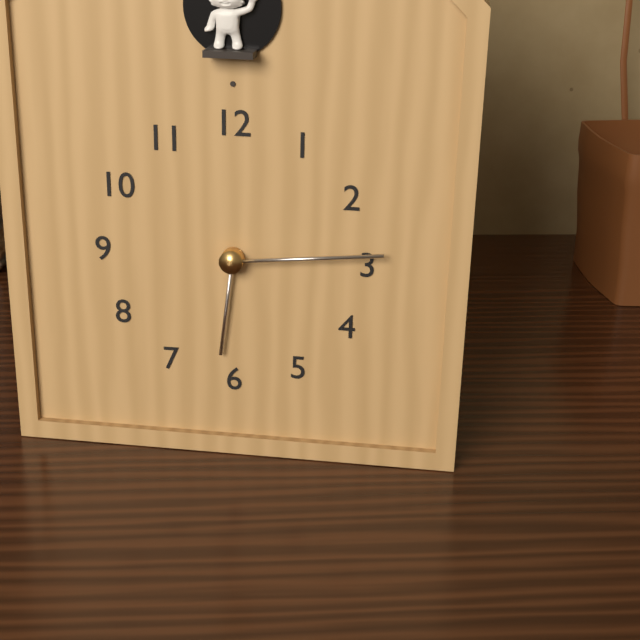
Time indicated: 6:14
